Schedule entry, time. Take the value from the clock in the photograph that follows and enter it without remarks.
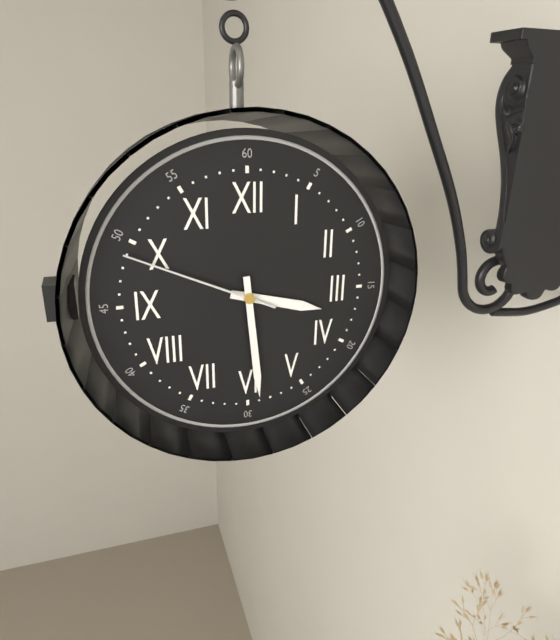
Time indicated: 3:29:49
